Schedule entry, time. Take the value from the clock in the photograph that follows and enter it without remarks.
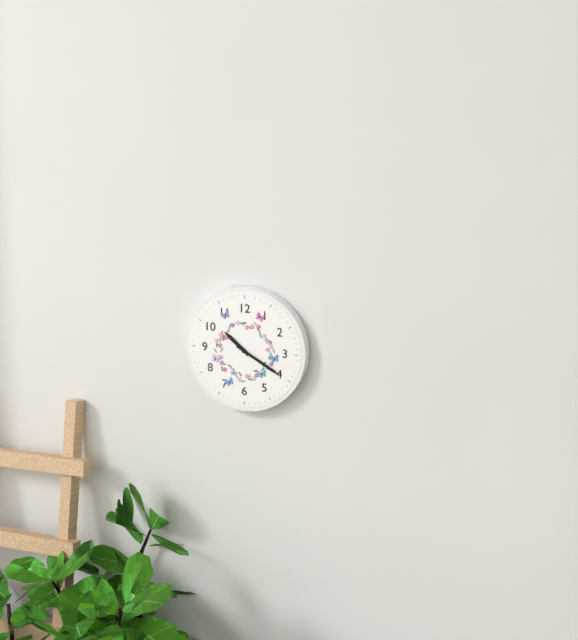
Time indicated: 10:20
